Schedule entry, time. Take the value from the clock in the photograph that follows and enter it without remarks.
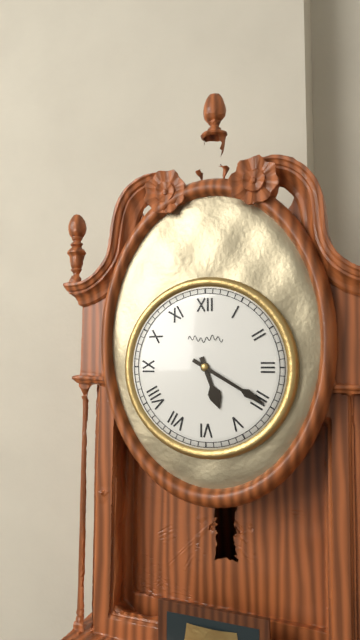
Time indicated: 5:20
